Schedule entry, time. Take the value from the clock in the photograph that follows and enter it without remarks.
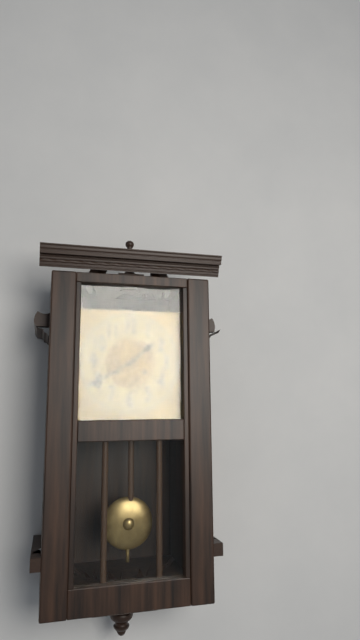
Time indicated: 1:40
